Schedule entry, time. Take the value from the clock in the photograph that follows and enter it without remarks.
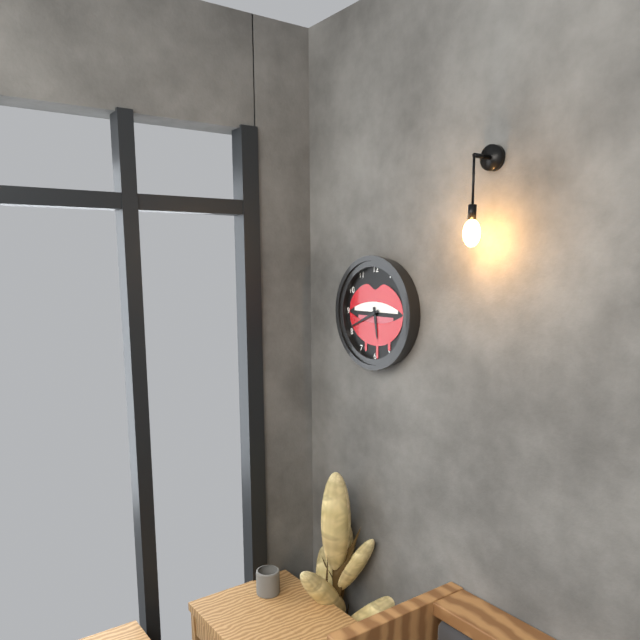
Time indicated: 5:41
